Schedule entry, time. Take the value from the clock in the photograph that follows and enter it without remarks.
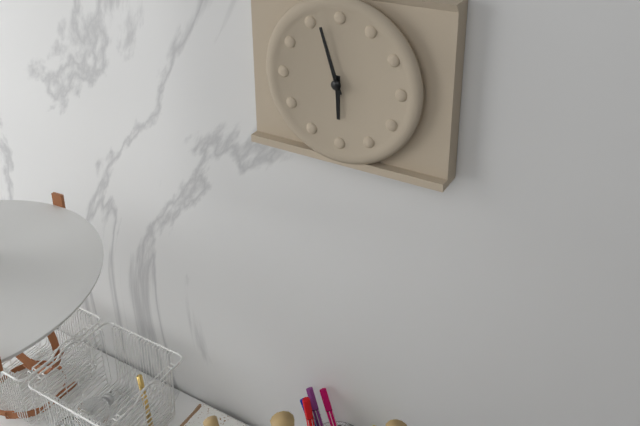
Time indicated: 5:57
